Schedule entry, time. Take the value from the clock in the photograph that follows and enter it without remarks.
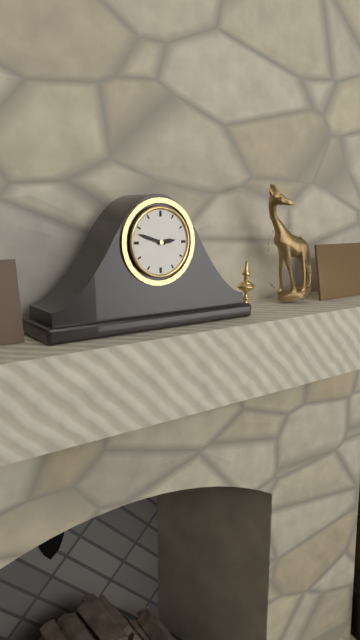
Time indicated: 2:48
